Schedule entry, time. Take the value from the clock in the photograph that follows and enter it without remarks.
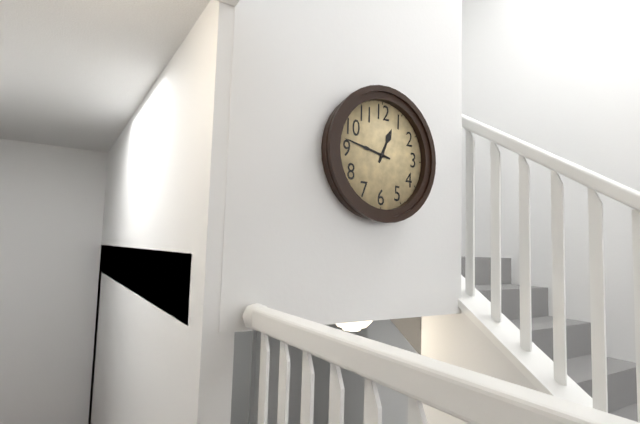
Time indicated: 12:47
